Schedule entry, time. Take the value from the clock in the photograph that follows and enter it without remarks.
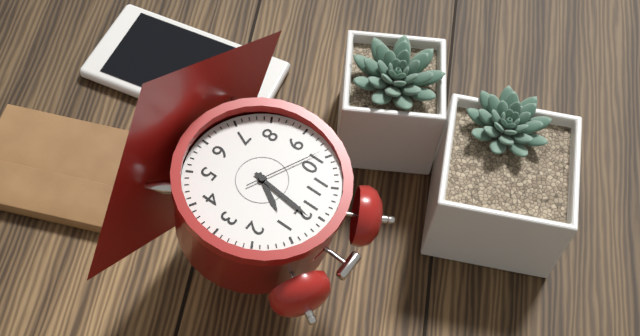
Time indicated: 1:01:49
